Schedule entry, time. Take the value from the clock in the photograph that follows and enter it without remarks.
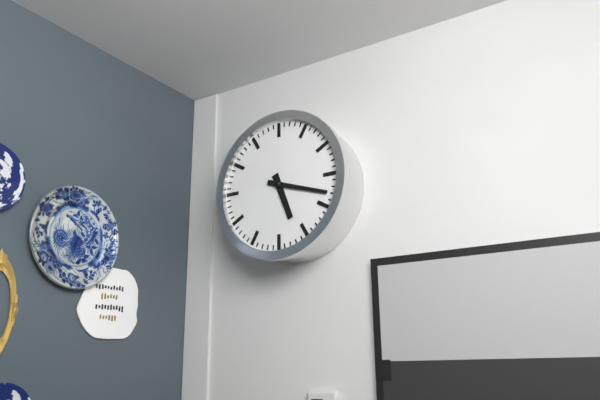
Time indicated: 5:18
